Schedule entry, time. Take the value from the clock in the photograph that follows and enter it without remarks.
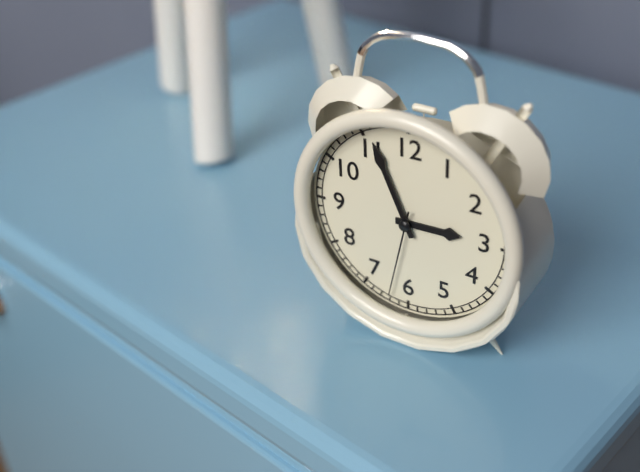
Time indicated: 2:56:32
